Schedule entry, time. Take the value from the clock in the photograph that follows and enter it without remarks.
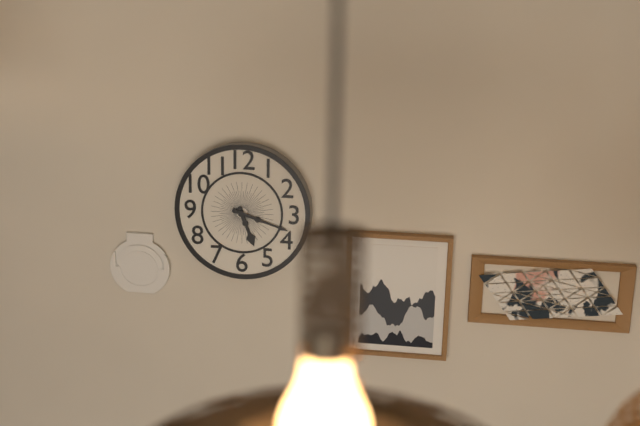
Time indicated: 5:18
